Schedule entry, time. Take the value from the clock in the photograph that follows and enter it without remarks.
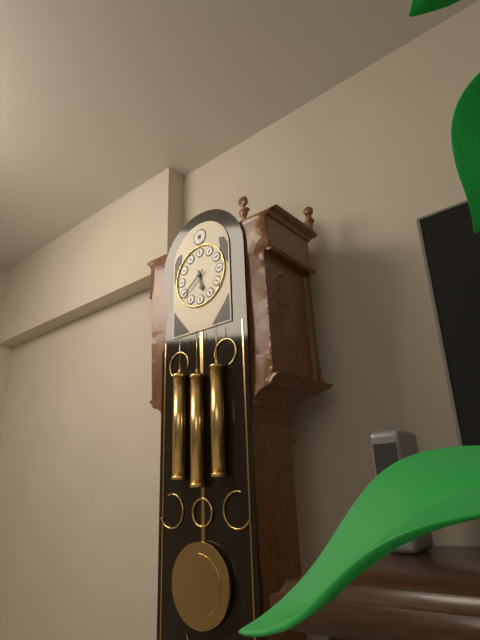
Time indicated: 5:39
